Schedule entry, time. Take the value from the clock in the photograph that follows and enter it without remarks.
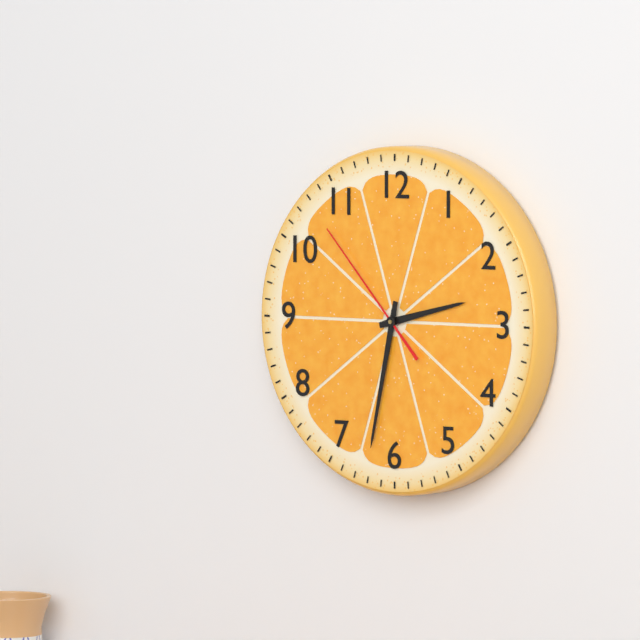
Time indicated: 2:32:53
